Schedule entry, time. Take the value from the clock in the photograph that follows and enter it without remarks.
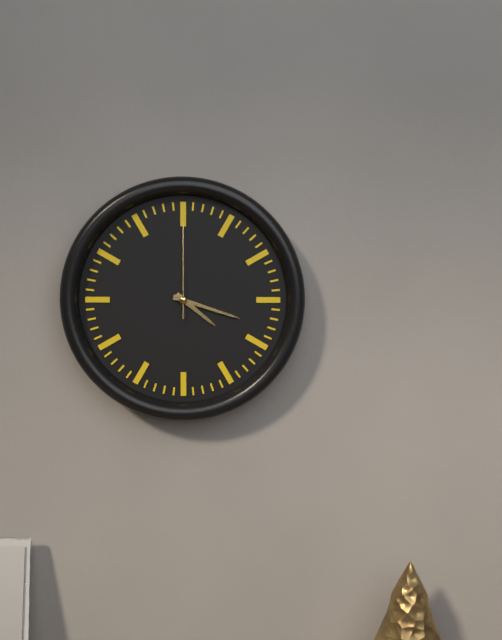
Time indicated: 4:18:00
